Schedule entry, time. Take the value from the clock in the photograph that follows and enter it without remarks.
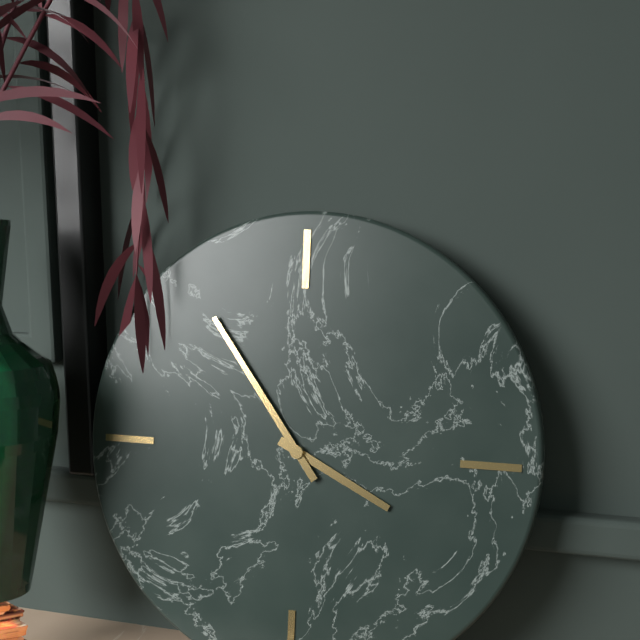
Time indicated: 3:54
